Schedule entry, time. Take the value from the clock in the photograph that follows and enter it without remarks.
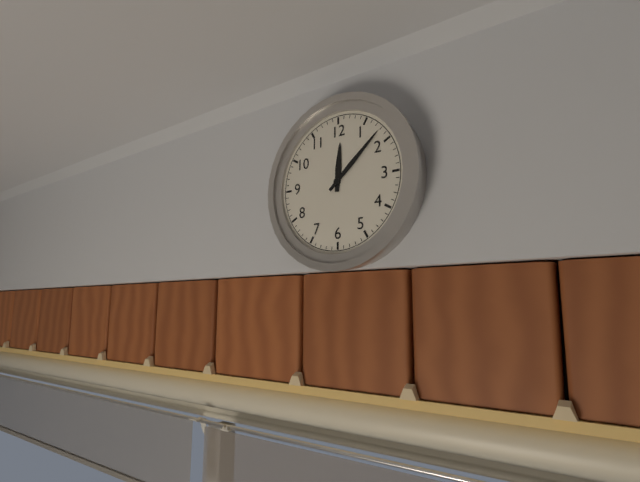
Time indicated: 12:08
